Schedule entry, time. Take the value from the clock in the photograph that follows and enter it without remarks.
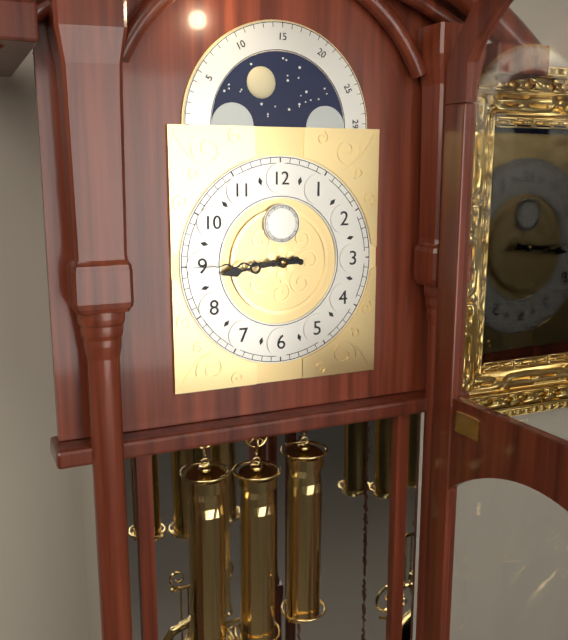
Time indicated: 8:45
